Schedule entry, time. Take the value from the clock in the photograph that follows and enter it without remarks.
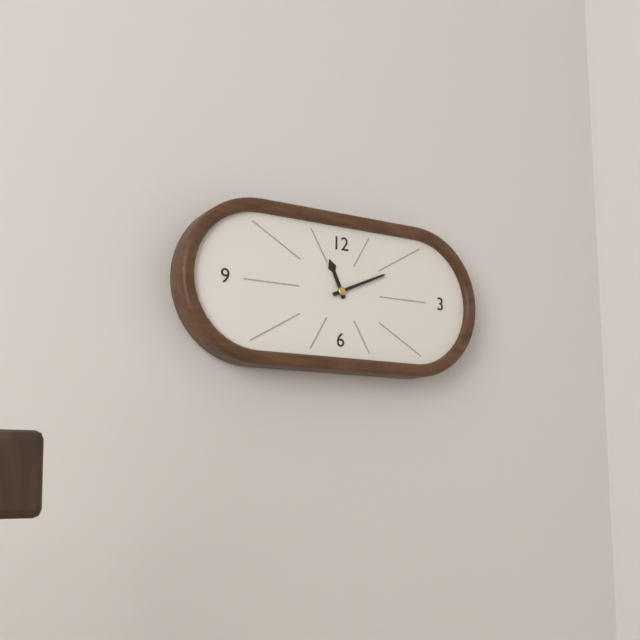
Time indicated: 11:11
